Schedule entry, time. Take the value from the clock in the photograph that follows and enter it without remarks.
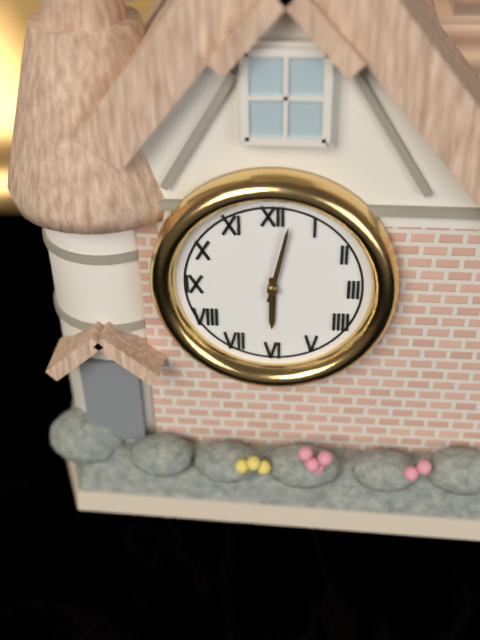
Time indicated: 6:02
